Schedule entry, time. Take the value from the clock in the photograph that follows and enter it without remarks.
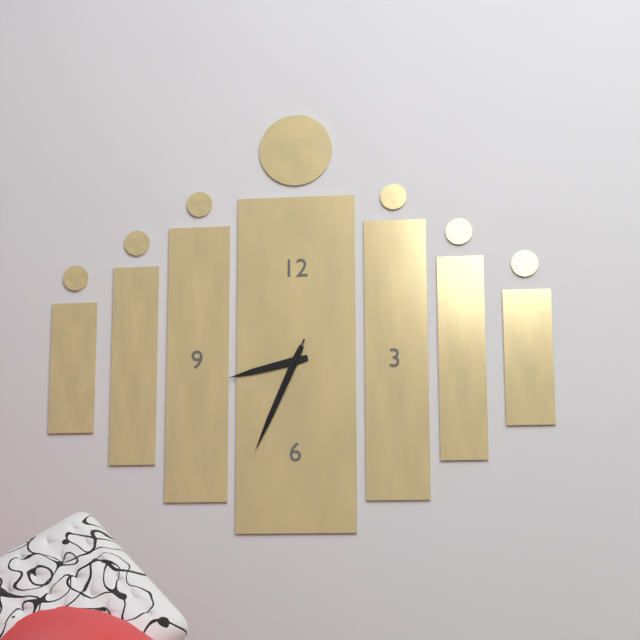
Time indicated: 8:34:34
